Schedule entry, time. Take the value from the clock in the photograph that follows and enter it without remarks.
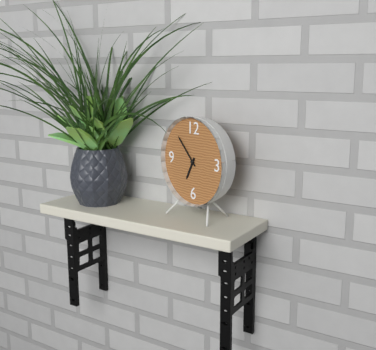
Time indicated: 6:53
